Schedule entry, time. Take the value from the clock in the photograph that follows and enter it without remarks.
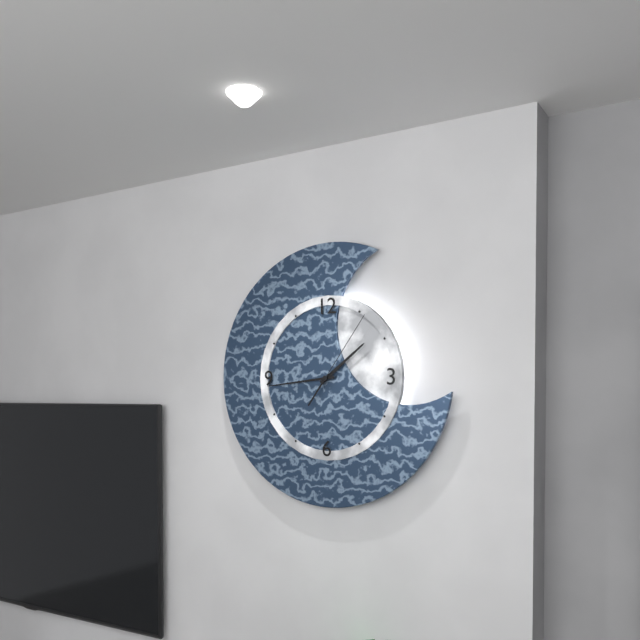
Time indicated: 1:44:06
